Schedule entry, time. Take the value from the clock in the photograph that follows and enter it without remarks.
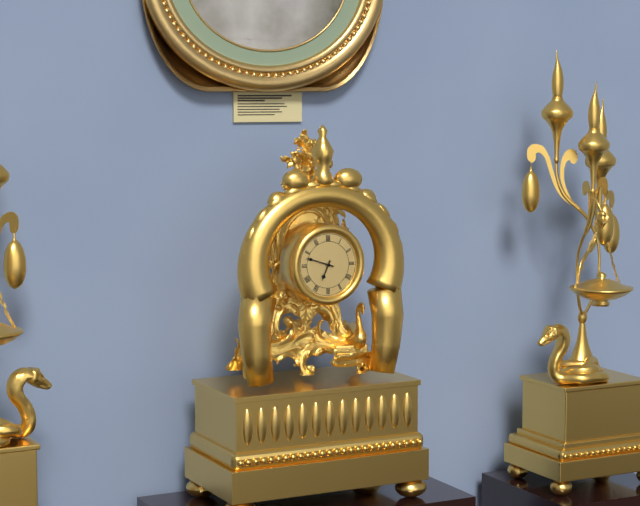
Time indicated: 6:48
